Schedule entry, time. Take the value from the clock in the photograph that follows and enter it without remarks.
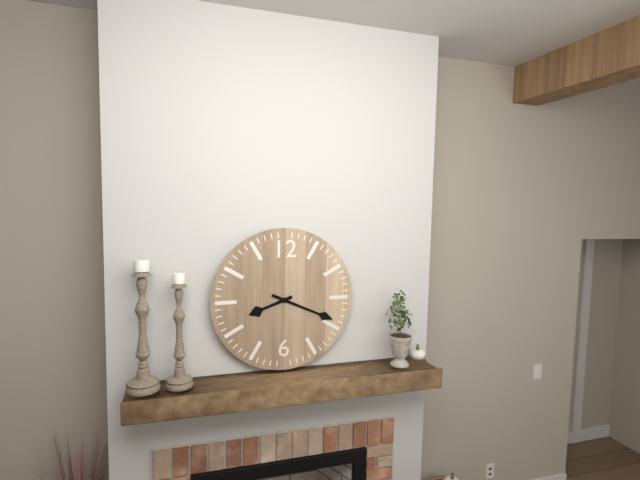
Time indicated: 8:19
